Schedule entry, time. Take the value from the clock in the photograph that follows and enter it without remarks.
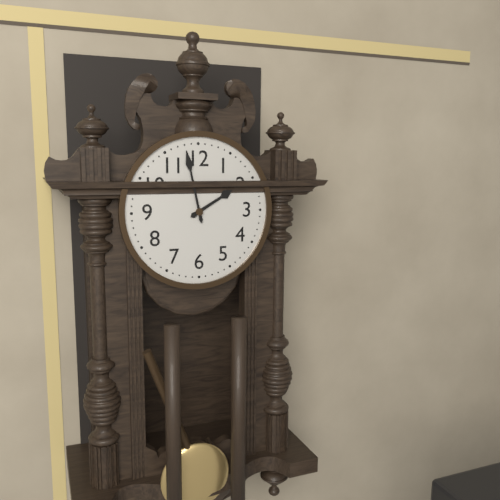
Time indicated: 1:58
